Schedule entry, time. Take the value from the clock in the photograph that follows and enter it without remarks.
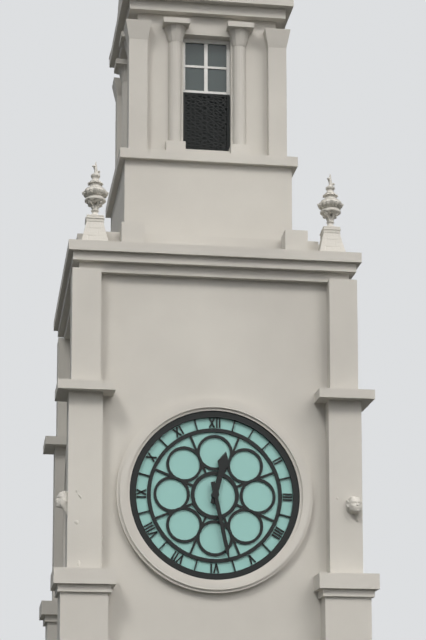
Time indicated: 12:28
